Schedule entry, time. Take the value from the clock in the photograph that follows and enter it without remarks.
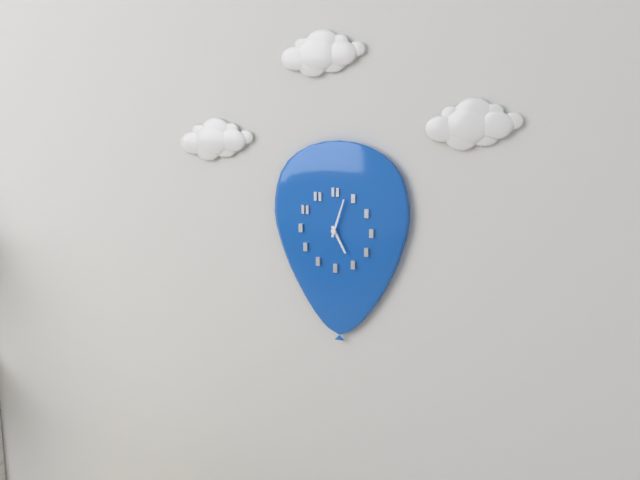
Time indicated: 5:03
